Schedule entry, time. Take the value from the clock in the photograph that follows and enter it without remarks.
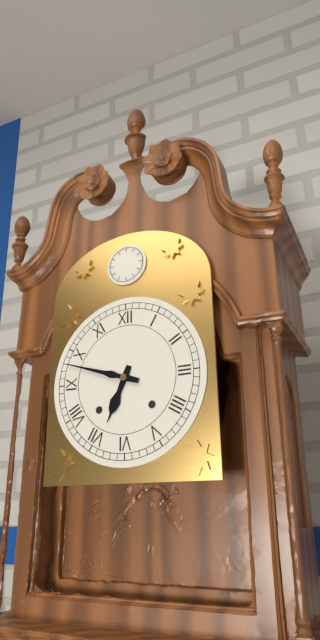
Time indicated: 6:48
